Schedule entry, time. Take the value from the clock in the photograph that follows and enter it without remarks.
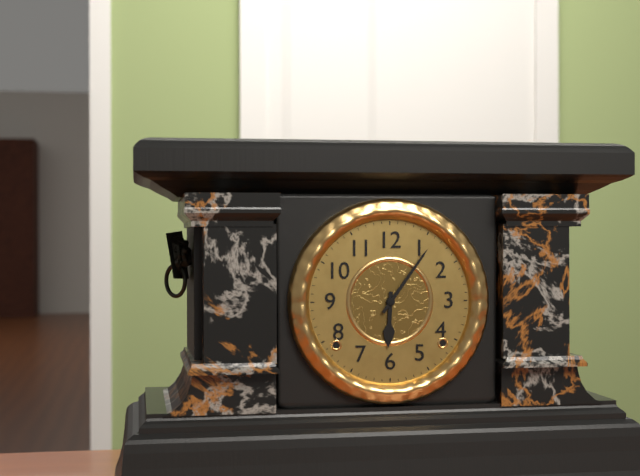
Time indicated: 6:06
